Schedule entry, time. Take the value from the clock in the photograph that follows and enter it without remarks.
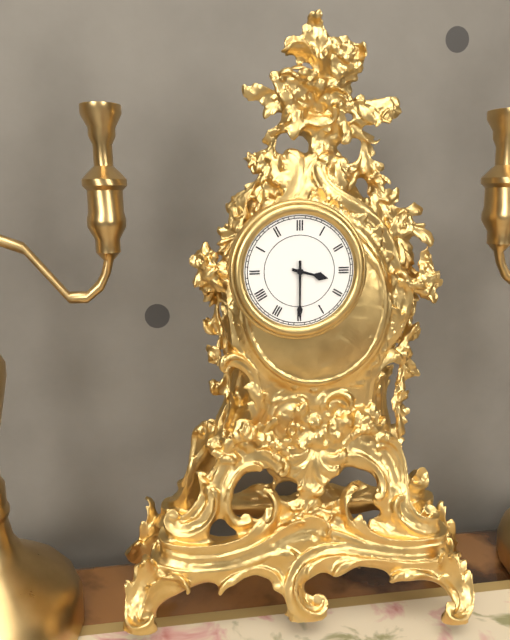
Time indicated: 3:30
